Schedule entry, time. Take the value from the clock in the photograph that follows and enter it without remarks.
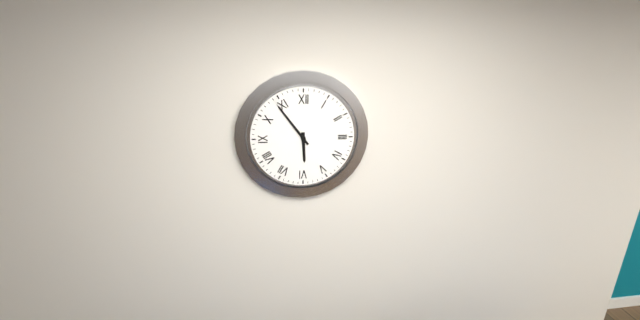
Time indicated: 5:54
